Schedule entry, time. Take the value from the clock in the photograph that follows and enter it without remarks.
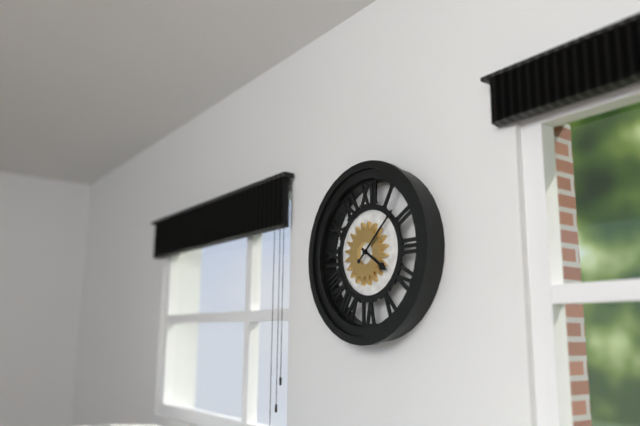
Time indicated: 4:08
